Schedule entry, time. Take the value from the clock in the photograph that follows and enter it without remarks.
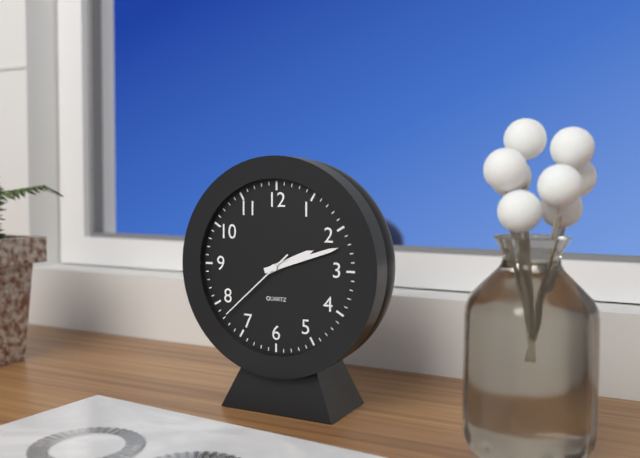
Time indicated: 2:12:38
